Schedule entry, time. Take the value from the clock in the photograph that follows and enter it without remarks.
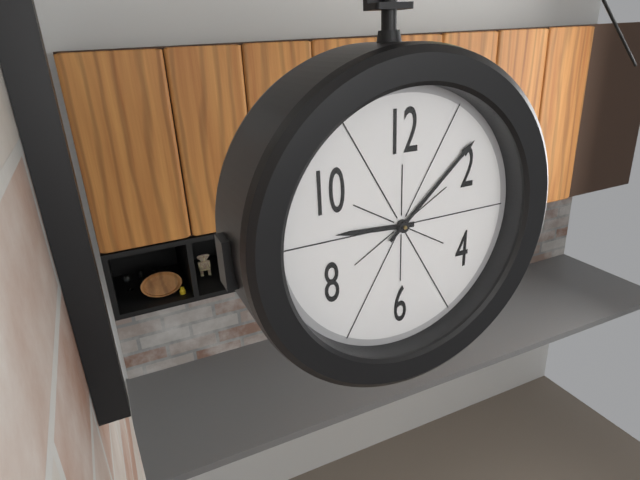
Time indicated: 9:08
